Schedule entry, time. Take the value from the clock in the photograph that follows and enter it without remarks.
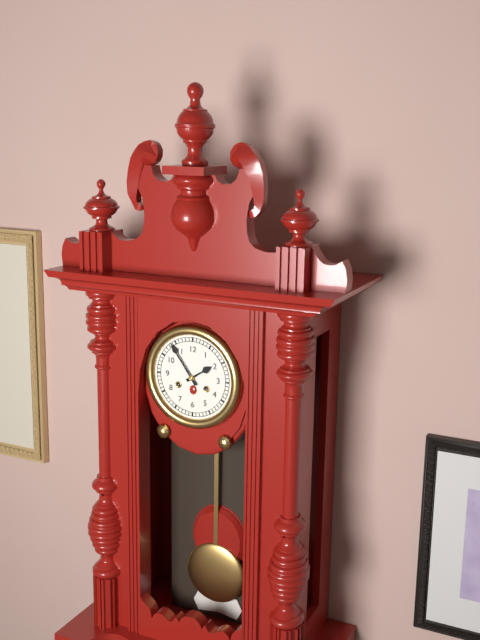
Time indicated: 1:54
